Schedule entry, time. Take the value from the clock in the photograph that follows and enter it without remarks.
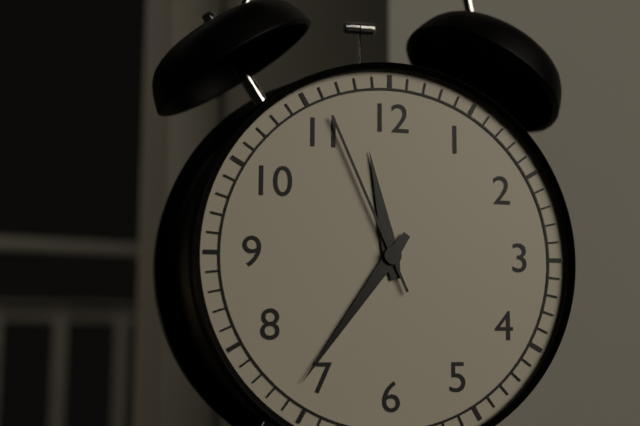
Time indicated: 11:36:56
